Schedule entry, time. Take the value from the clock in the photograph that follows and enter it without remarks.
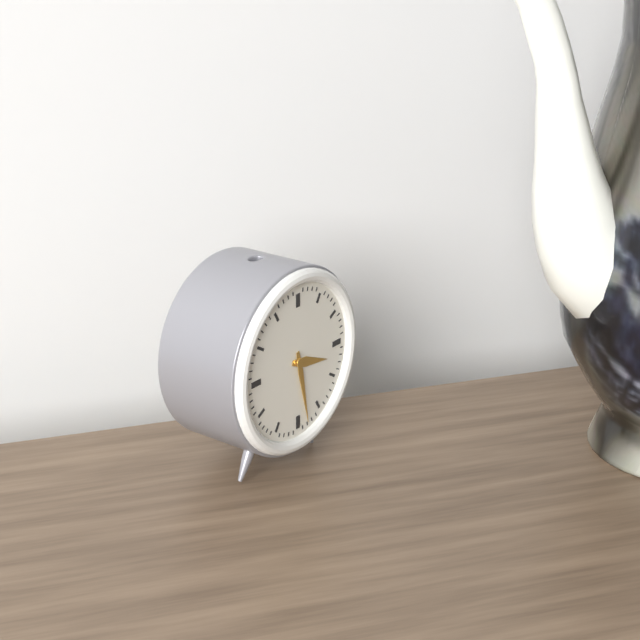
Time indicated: 3:28
